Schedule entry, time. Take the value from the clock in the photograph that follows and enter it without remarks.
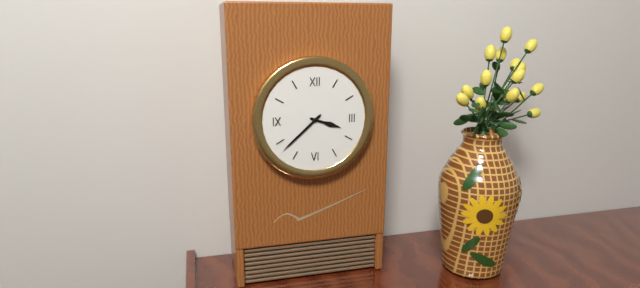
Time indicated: 3:38
